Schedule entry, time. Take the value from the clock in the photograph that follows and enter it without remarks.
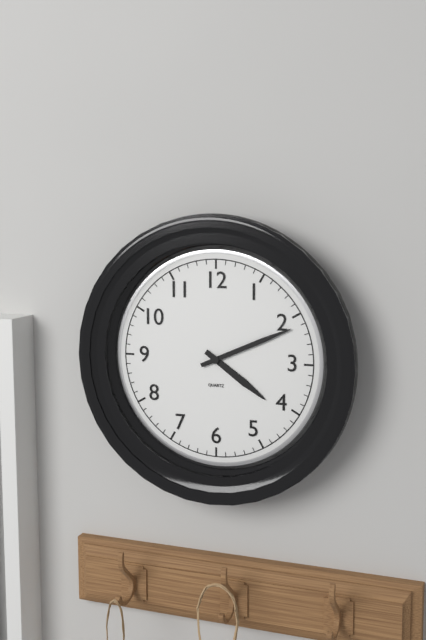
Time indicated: 4:11
